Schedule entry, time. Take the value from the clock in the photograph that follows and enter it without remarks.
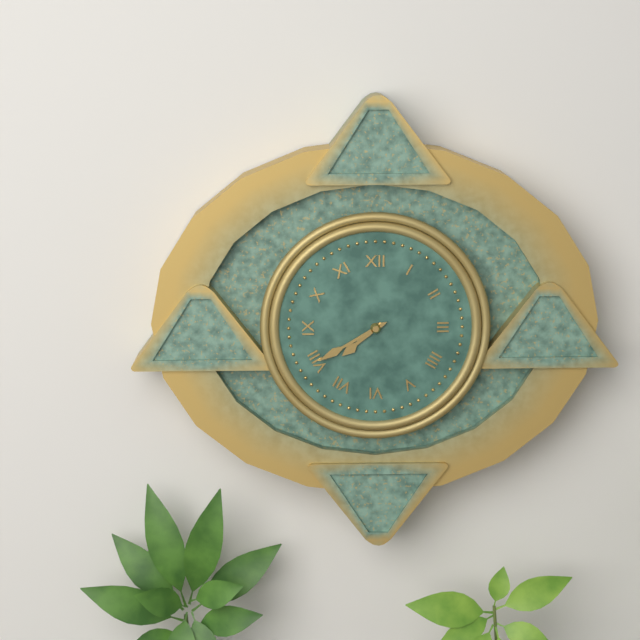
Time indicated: 7:40
